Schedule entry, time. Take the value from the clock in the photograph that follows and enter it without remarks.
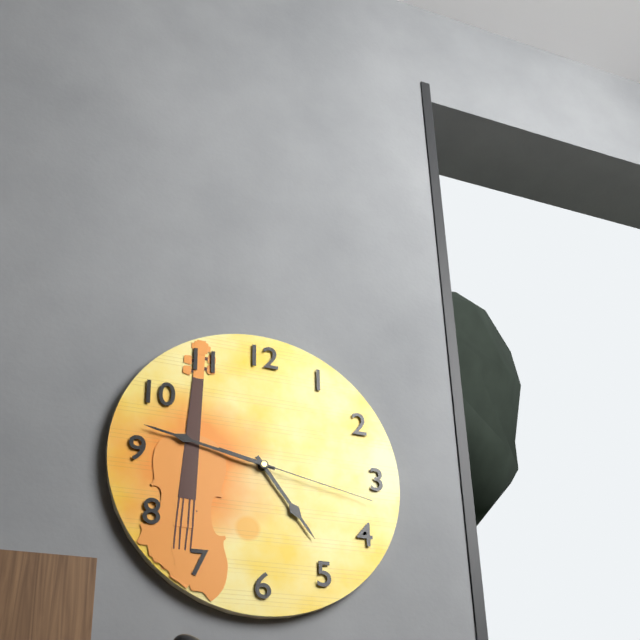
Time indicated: 4:47:17
